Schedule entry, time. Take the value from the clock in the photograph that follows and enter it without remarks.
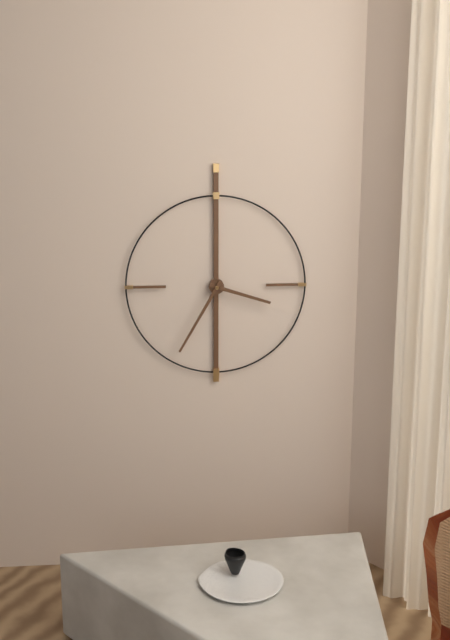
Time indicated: 3:35
